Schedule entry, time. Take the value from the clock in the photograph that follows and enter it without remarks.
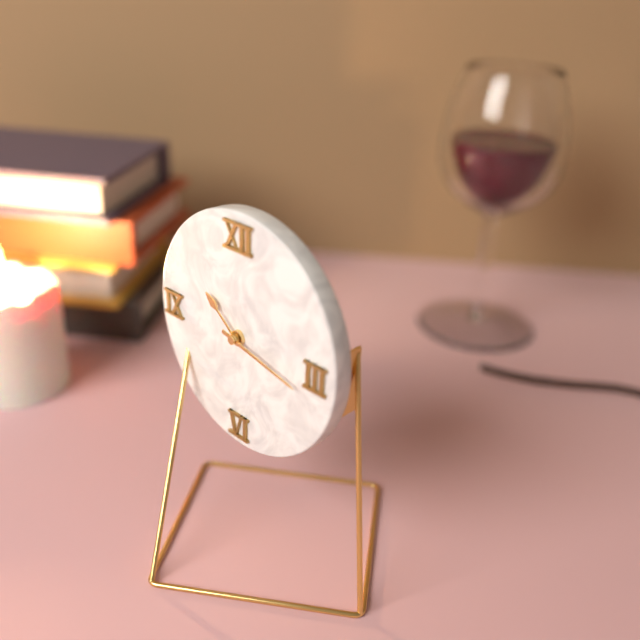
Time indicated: 10:17
